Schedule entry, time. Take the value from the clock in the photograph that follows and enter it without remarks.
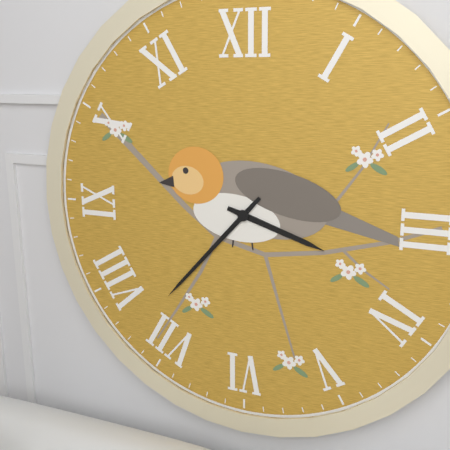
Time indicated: 3:37
